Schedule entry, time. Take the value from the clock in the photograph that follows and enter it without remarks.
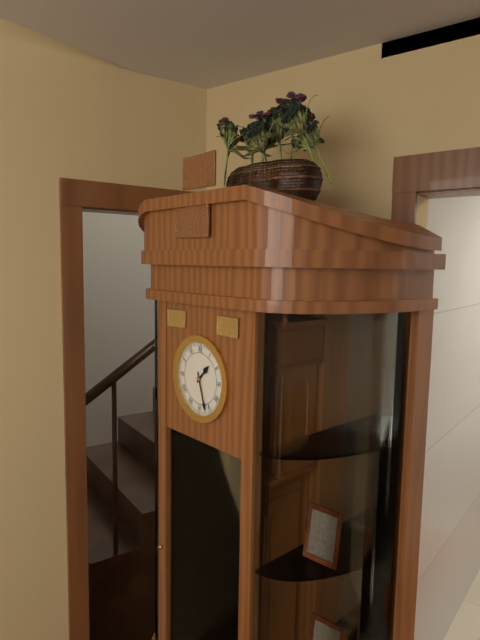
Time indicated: 1:27
